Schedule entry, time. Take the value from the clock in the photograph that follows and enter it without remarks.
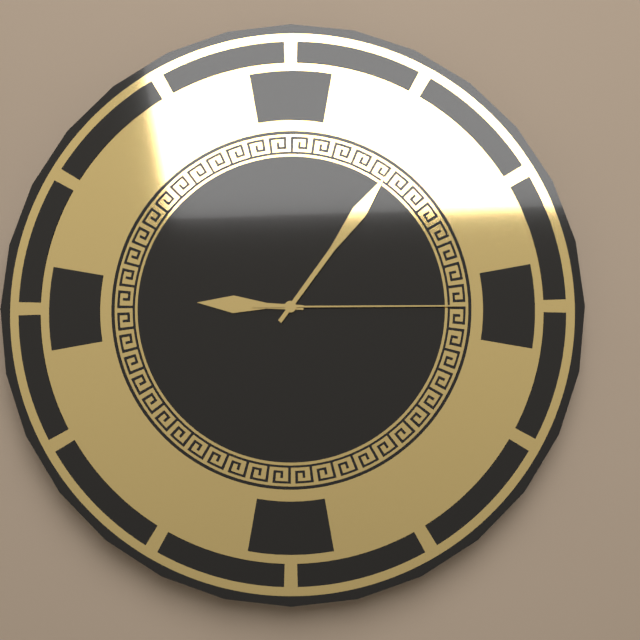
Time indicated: 9:06:15
